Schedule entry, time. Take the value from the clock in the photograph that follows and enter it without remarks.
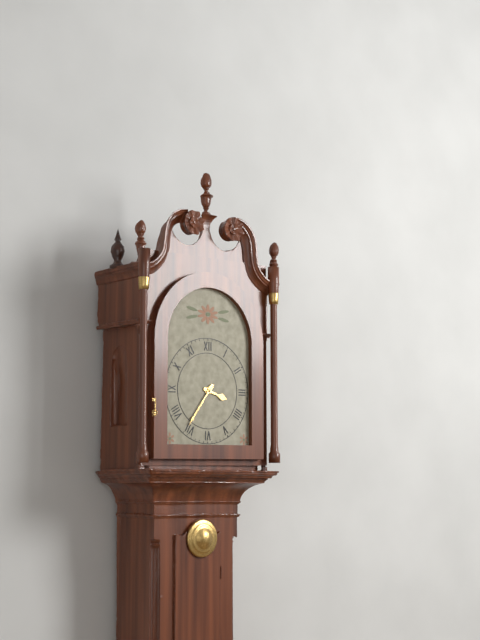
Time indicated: 3:36
